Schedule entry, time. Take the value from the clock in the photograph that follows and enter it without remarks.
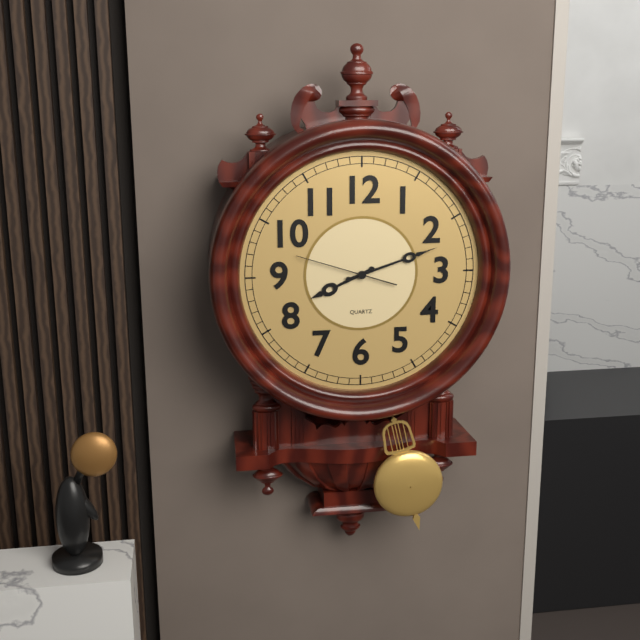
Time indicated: 8:12:48
